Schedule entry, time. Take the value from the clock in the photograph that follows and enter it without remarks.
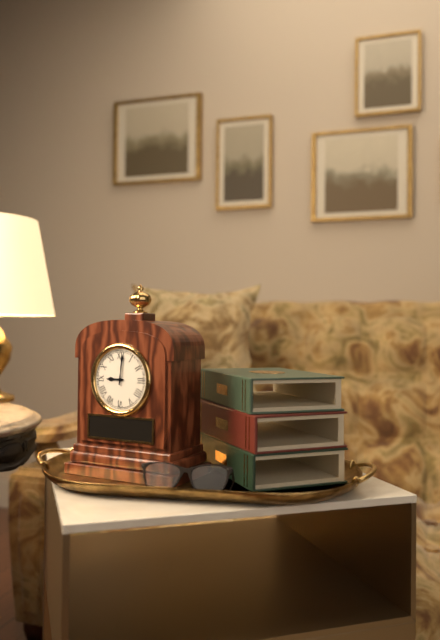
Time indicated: 9:01
